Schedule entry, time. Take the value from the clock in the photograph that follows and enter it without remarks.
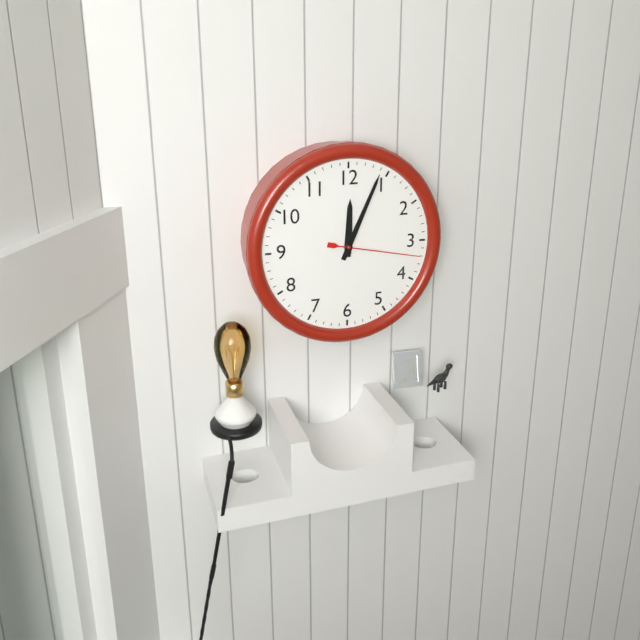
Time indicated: 12:04:17
